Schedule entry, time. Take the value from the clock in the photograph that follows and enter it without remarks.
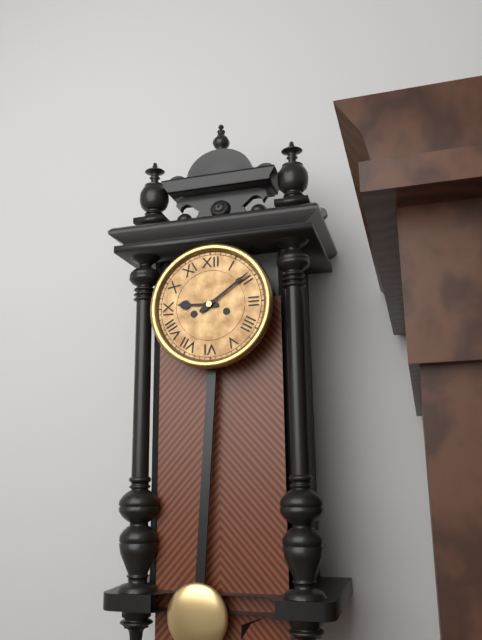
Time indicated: 9:09
